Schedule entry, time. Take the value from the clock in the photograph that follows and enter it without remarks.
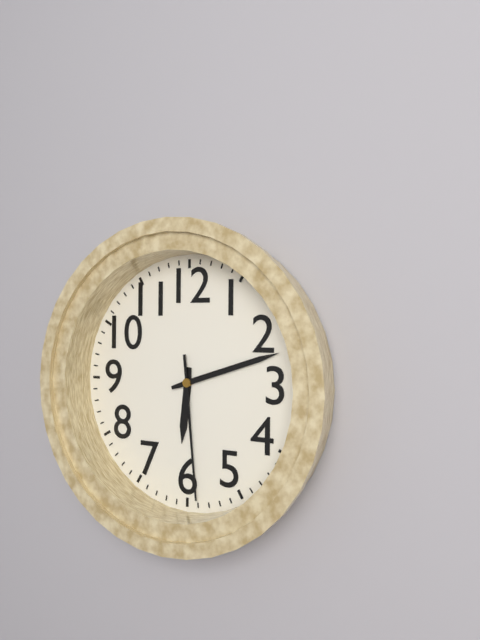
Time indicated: 6:12:29
